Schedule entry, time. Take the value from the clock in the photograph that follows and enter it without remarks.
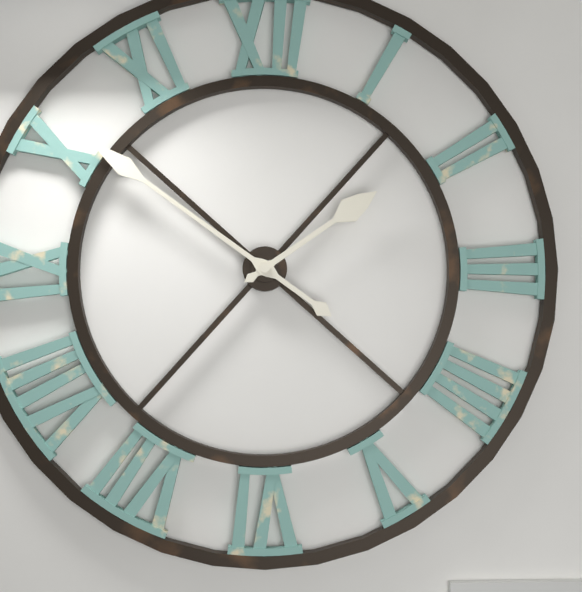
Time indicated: 1:51
